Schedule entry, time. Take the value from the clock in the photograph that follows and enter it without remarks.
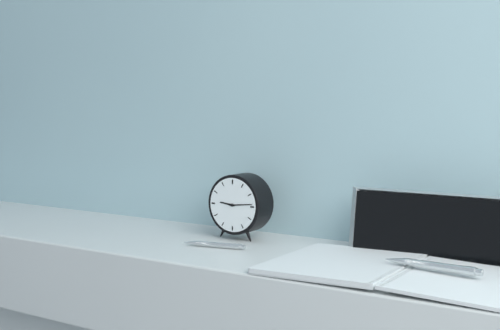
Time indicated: 9:14
